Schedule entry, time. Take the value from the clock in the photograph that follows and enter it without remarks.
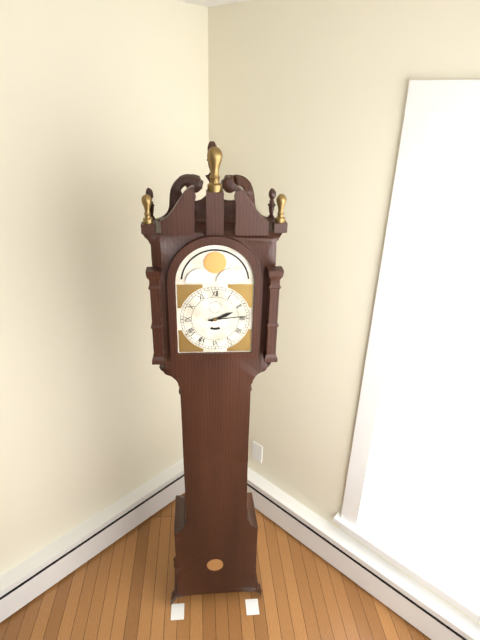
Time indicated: 2:14
